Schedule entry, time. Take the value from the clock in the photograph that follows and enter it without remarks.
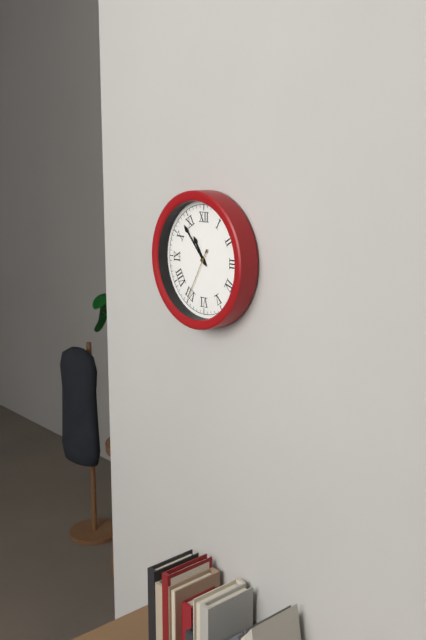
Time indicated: 10:53:35
